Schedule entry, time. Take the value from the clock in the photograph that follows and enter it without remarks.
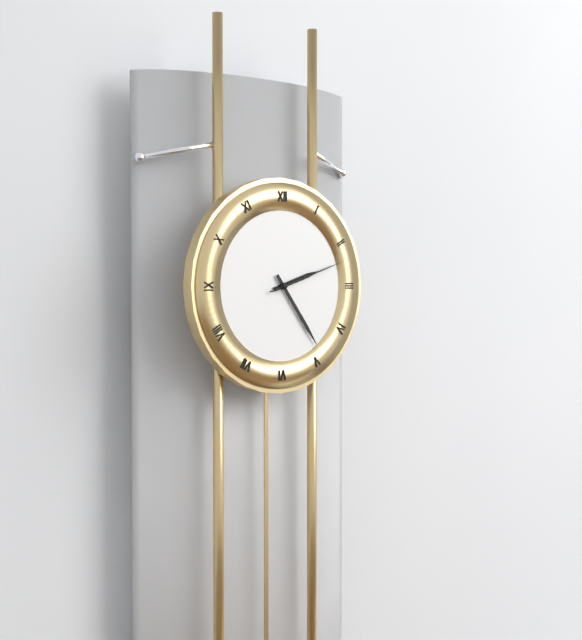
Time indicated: 2:24:12
